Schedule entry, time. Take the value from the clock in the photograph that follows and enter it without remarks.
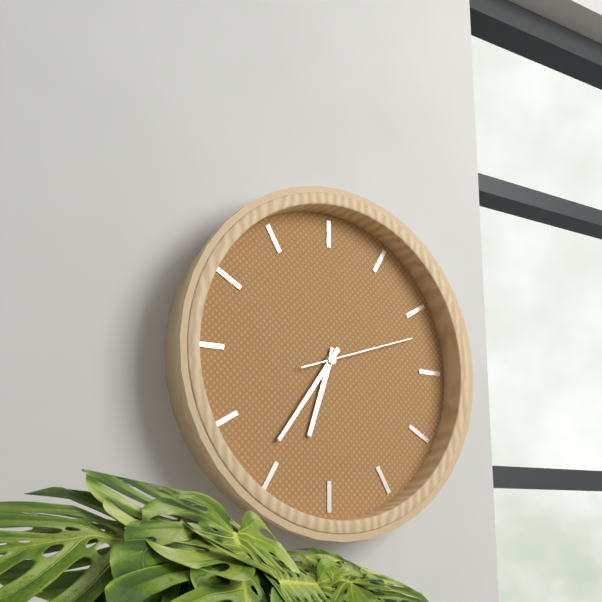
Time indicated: 6:36:12
